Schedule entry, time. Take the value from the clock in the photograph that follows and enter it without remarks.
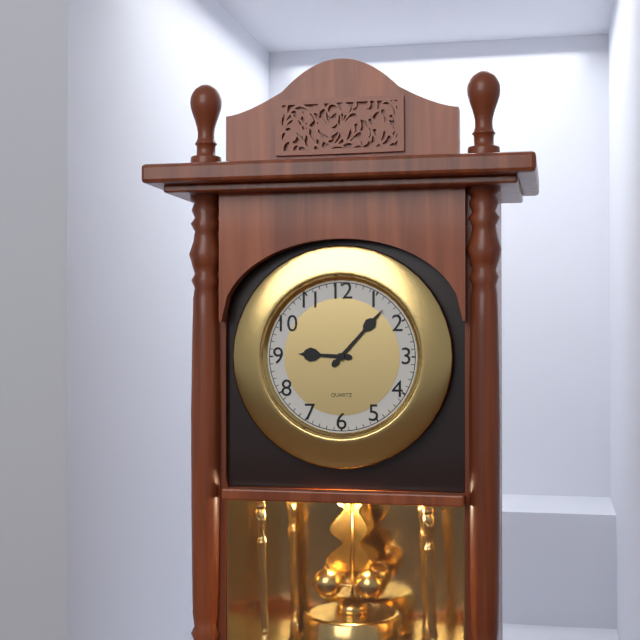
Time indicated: 9:07
